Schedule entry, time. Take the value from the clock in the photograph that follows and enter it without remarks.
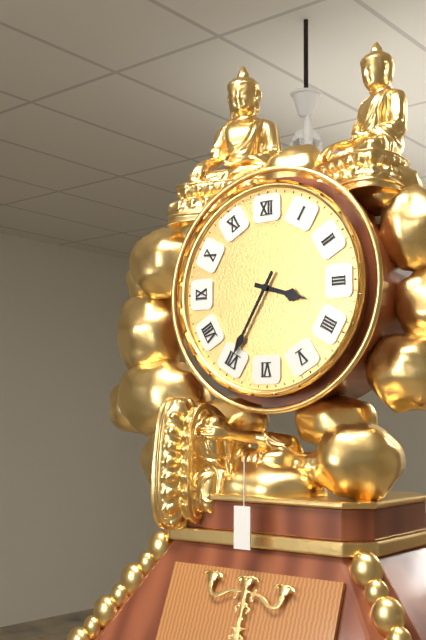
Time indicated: 3:35
